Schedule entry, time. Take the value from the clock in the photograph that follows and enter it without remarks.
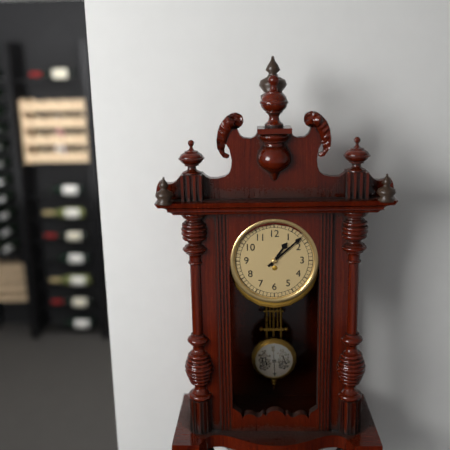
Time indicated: 1:08
